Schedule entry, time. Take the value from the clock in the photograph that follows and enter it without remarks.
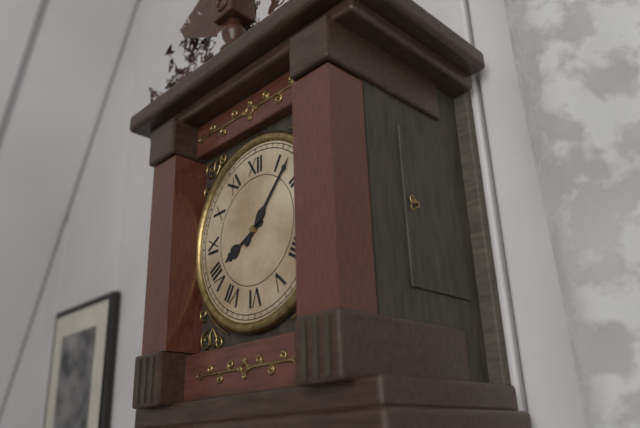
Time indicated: 8:07
